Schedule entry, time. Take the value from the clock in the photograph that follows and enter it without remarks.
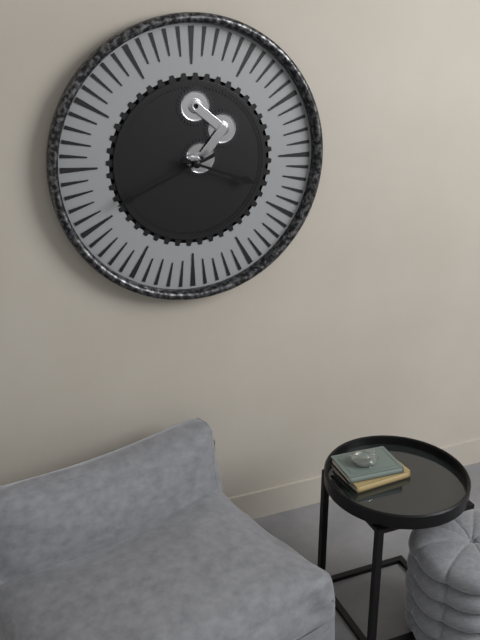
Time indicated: 3:41
